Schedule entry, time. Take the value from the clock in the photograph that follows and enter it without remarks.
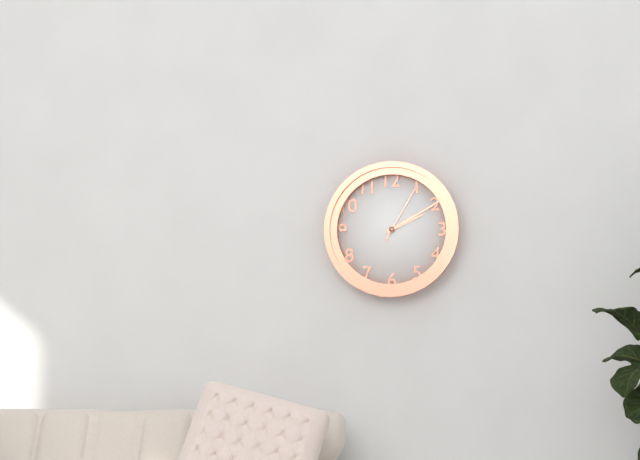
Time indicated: 2:10:05
